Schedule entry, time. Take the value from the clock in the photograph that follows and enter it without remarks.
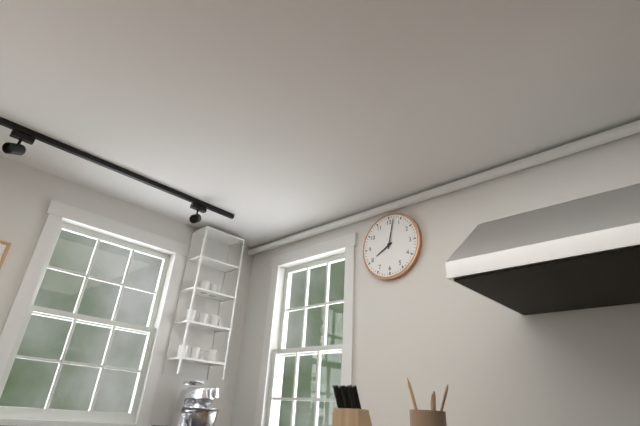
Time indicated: 8:02
